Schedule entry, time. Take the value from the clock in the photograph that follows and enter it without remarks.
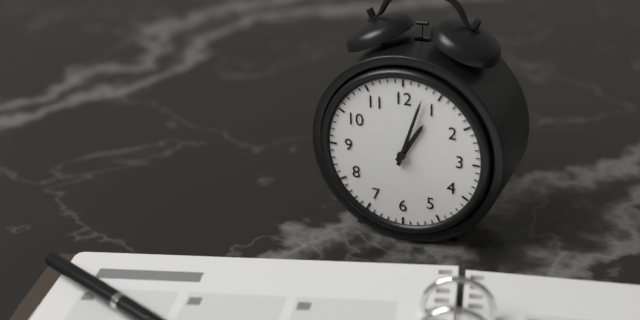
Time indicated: 1:03
